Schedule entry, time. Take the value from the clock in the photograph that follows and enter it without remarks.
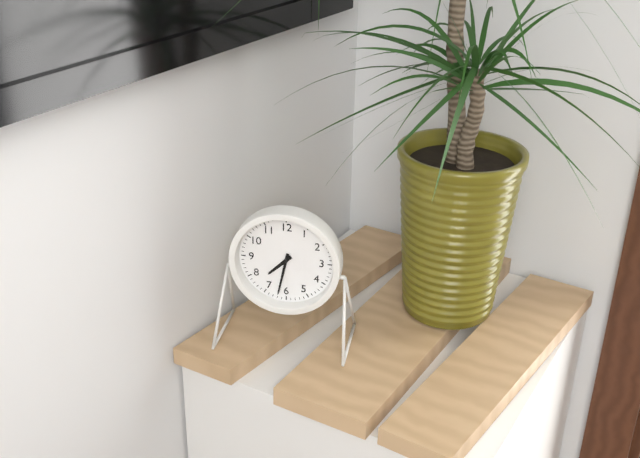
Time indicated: 7:32
